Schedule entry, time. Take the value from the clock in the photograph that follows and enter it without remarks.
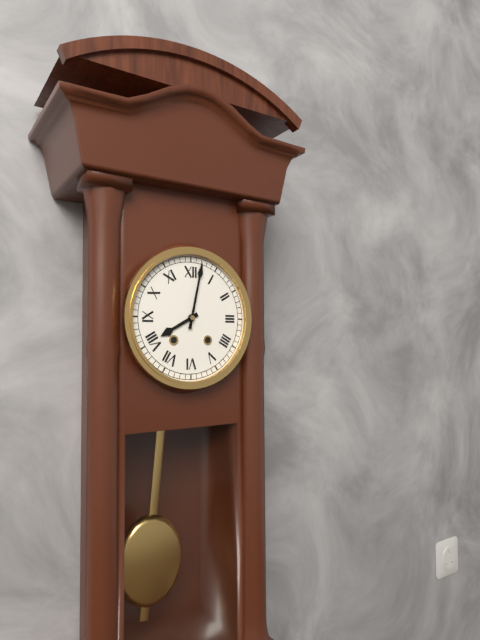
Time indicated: 8:02
